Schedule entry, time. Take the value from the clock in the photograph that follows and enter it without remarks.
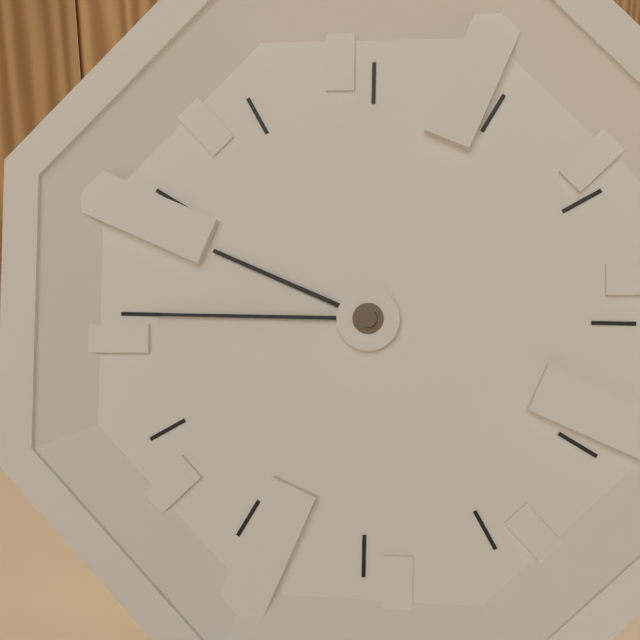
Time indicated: 9:45
